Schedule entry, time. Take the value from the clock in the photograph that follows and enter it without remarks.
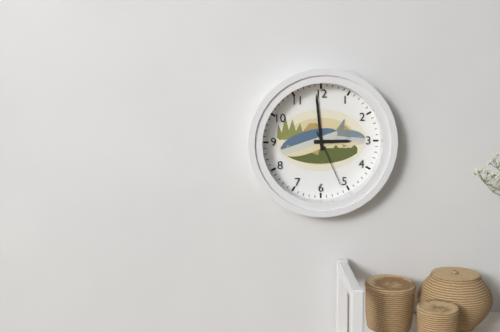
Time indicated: 2:59:26
